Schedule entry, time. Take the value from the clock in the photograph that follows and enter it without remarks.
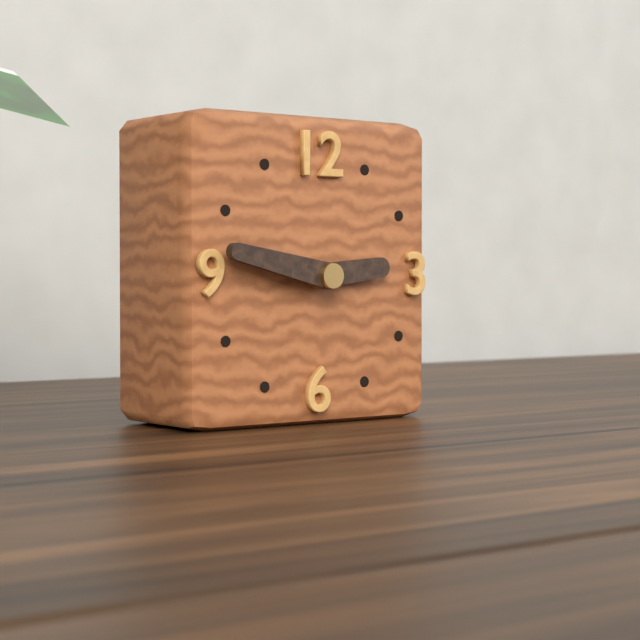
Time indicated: 2:47
